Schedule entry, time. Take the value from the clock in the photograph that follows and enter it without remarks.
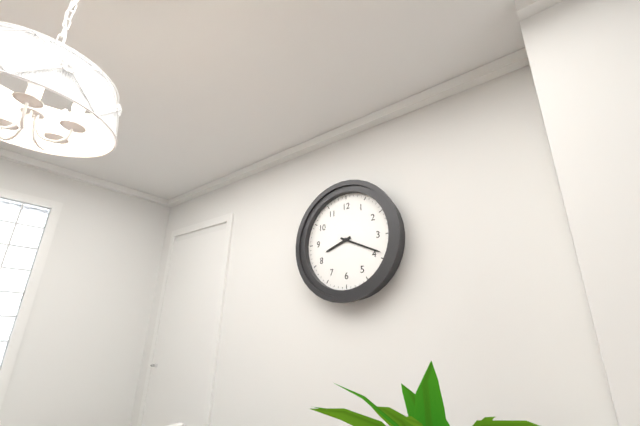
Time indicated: 8:19
